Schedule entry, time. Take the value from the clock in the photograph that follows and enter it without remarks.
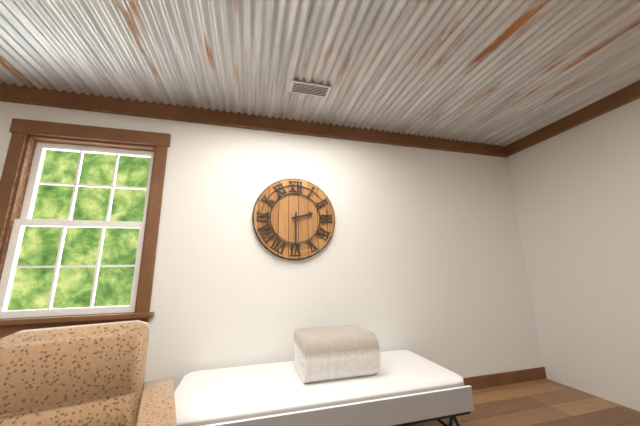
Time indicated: 2:30
